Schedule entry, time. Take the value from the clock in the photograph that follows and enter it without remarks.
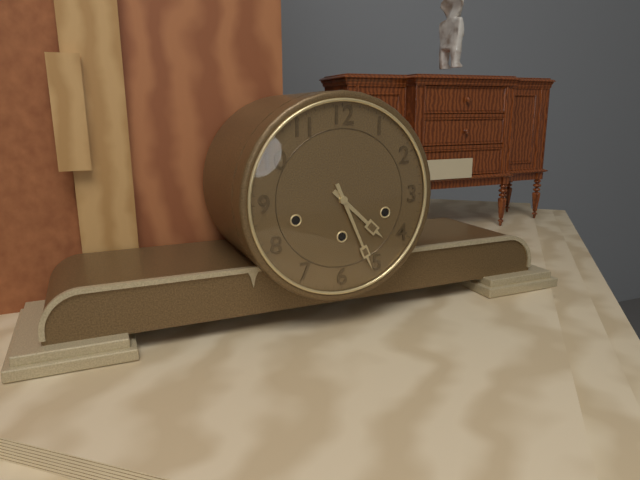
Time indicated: 4:26
